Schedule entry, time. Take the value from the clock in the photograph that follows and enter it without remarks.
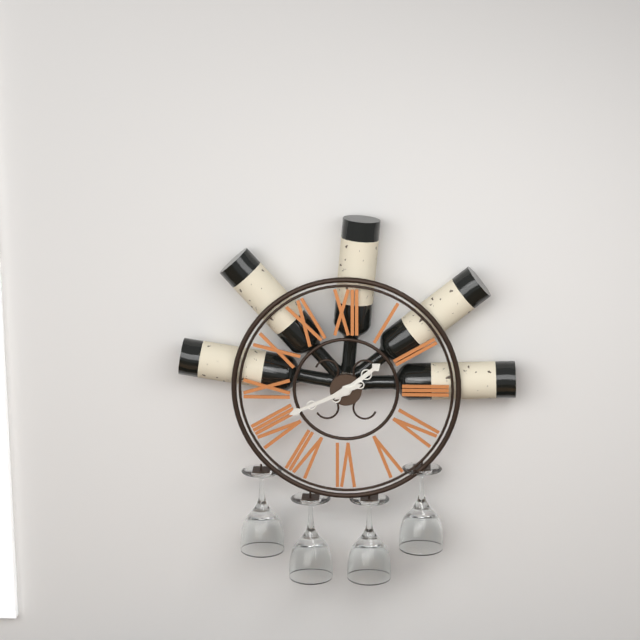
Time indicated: 1:41
